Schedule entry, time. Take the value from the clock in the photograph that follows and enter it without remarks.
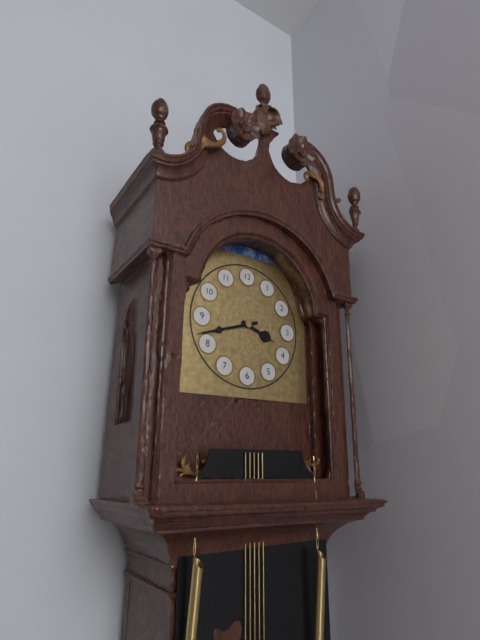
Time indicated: 3:42
